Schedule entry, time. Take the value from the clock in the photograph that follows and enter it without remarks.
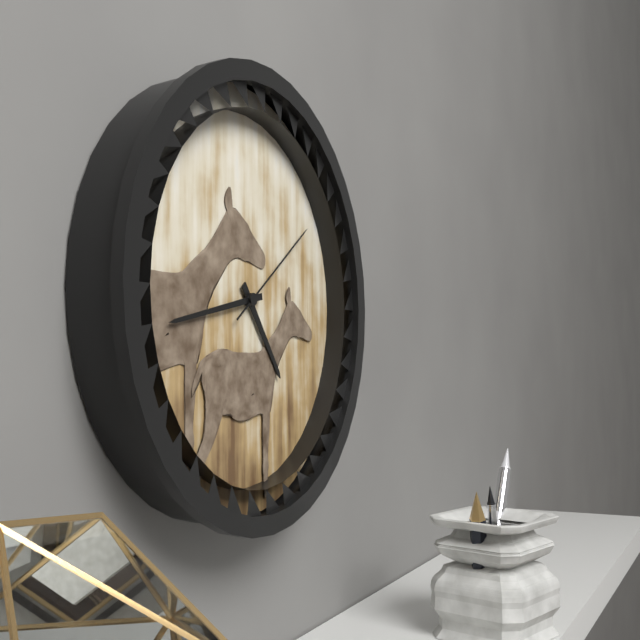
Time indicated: 4:43:09
